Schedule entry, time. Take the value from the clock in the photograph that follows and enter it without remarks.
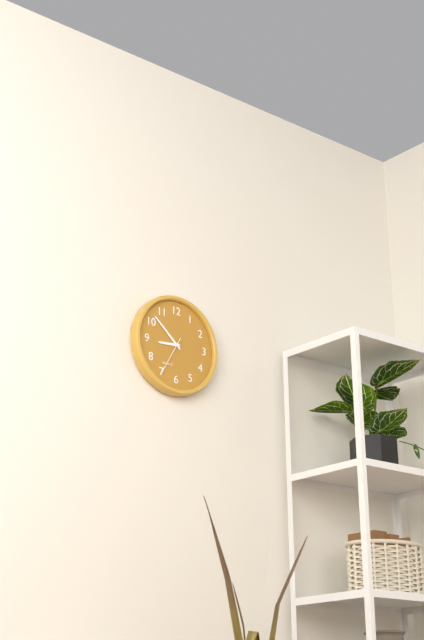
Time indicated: 8:52
